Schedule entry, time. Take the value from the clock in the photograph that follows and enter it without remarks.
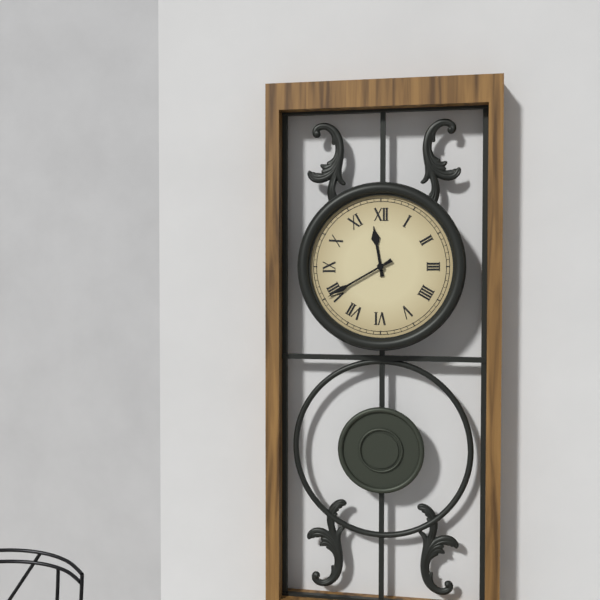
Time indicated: 11:40
